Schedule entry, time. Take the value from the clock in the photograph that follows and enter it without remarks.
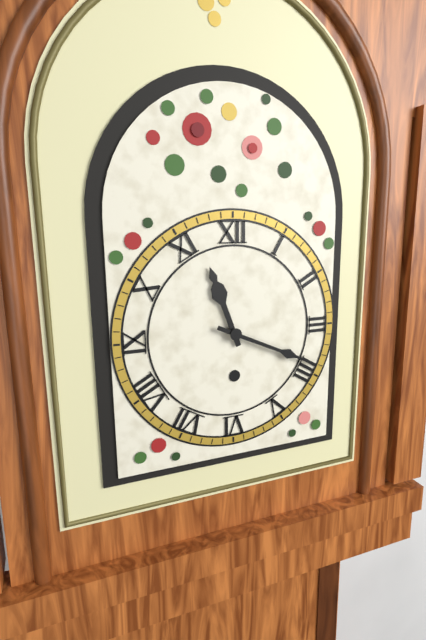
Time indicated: 11:19
